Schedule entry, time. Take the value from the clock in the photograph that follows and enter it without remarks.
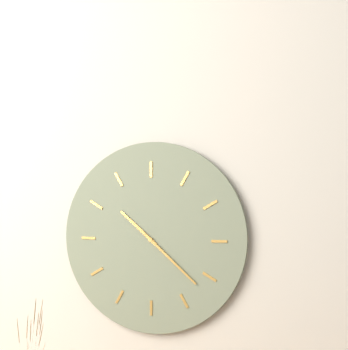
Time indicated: 10:22
